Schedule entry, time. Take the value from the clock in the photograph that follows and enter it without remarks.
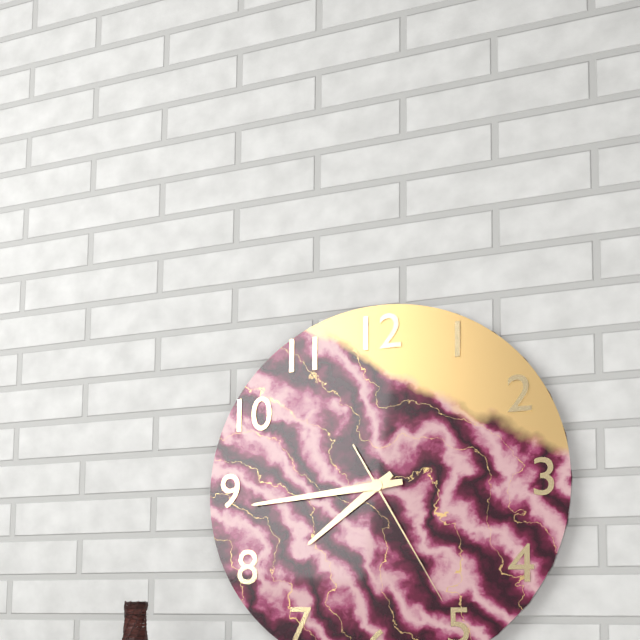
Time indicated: 7:44:25
